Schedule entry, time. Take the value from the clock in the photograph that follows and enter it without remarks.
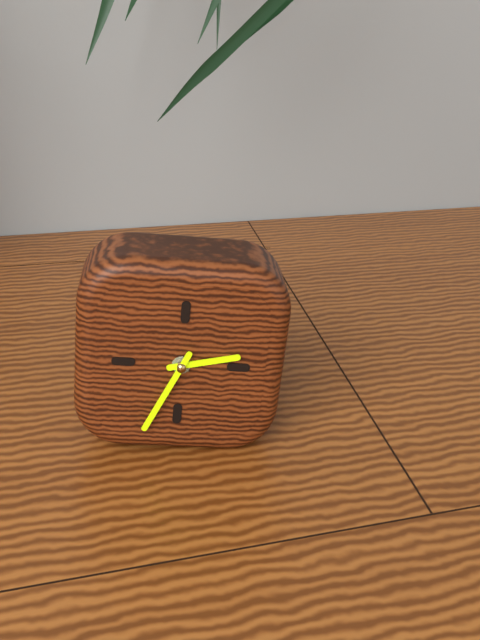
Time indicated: 2:34
